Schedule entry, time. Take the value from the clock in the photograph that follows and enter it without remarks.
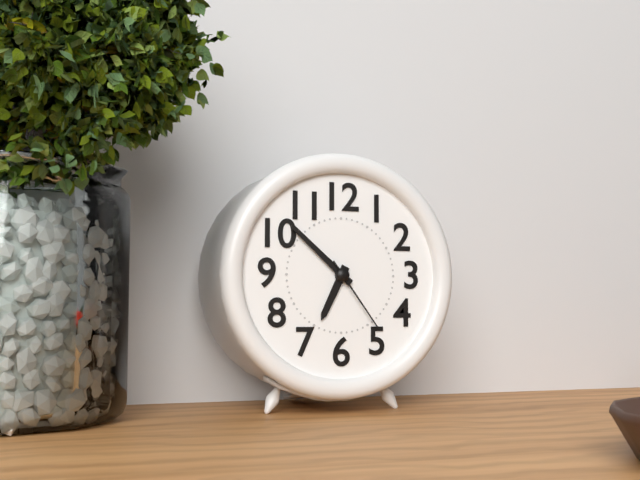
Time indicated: 6:52:24
